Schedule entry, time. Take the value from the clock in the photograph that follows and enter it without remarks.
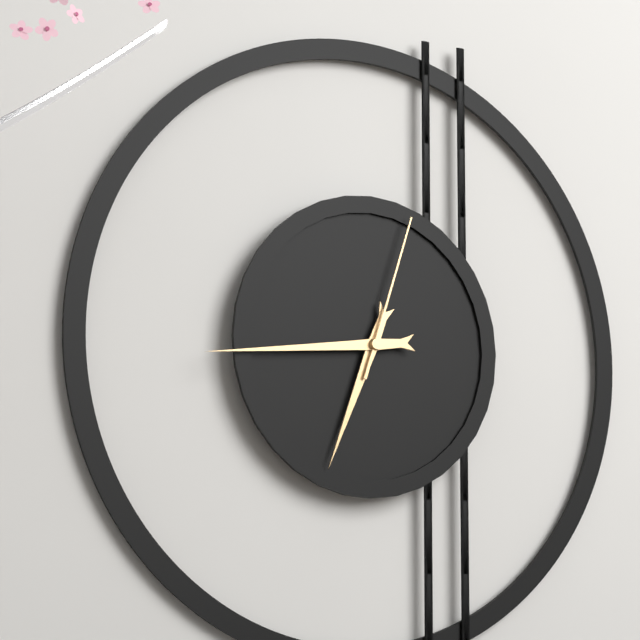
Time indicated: 6:44:03
